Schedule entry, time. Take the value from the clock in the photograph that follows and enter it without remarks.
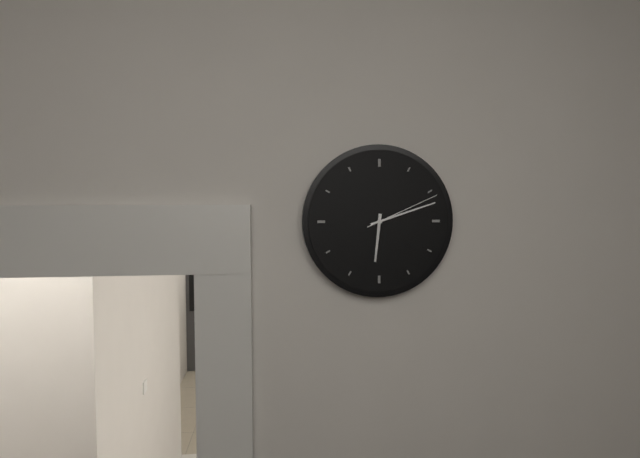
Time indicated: 6:12:11
